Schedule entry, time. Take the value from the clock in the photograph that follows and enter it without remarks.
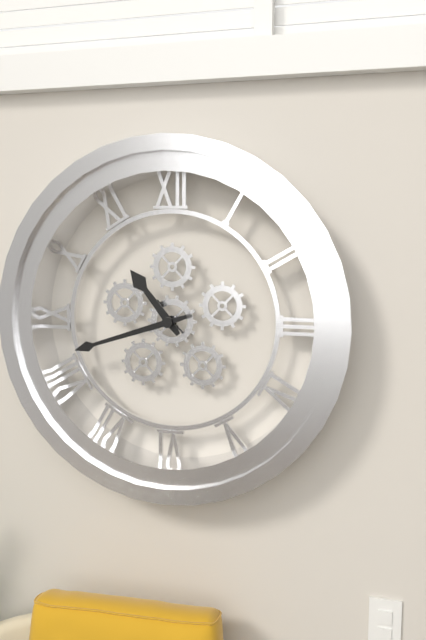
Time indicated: 10:42
